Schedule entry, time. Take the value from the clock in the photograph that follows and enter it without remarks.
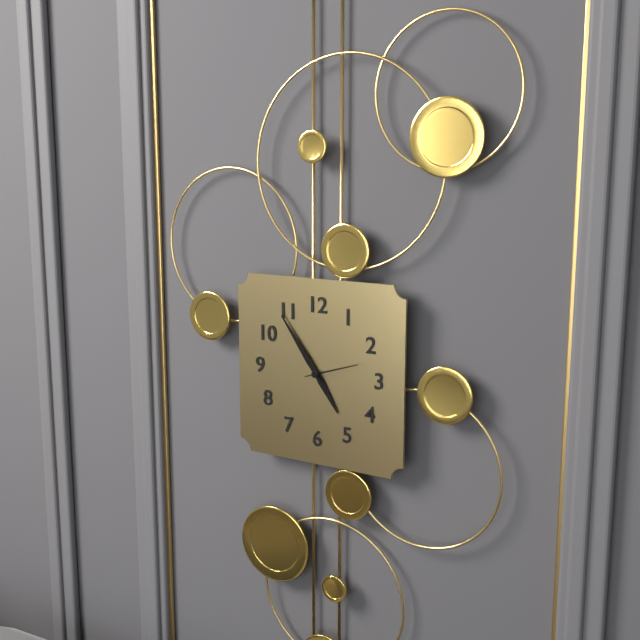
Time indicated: 4:54:12
